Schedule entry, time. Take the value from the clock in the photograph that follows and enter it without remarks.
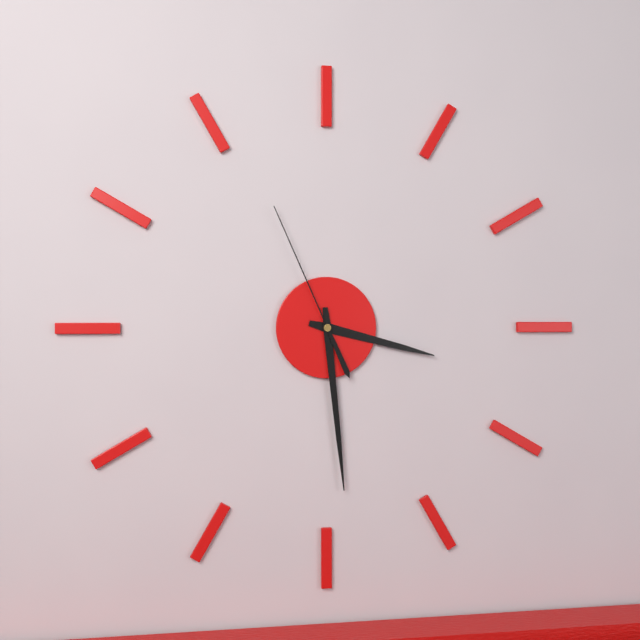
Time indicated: 3:29:56
